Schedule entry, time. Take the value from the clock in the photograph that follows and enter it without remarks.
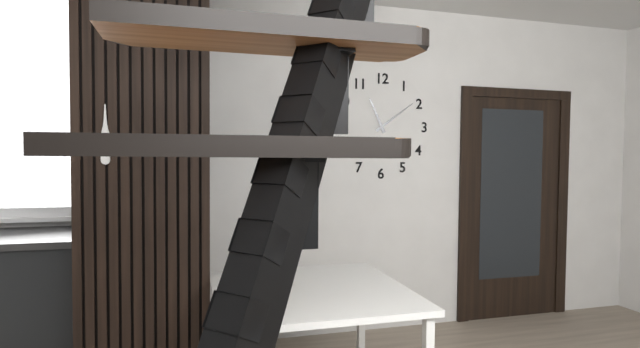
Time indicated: 11:09
